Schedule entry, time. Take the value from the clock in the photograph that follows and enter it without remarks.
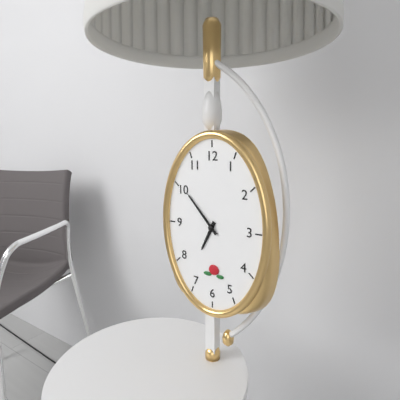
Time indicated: 6:53
